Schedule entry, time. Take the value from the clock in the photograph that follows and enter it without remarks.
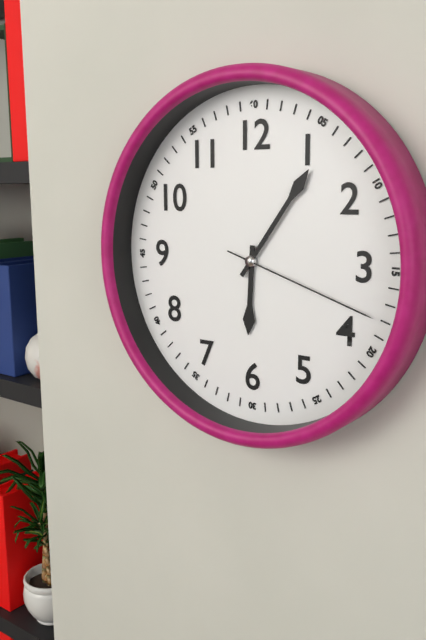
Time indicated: 6:06:18
